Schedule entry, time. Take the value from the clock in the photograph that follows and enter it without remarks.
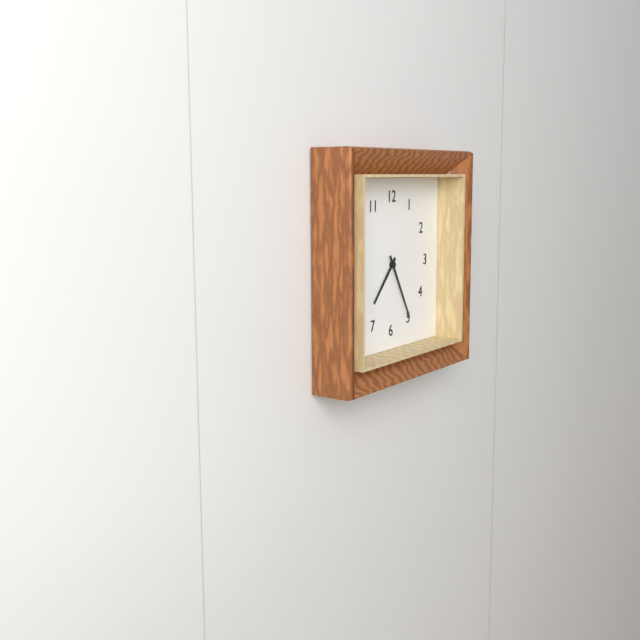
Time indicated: 7:25
